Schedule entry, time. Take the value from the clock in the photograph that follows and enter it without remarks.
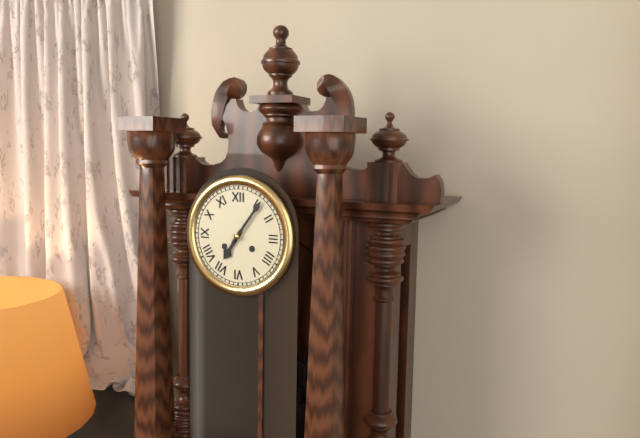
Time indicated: 7:06
